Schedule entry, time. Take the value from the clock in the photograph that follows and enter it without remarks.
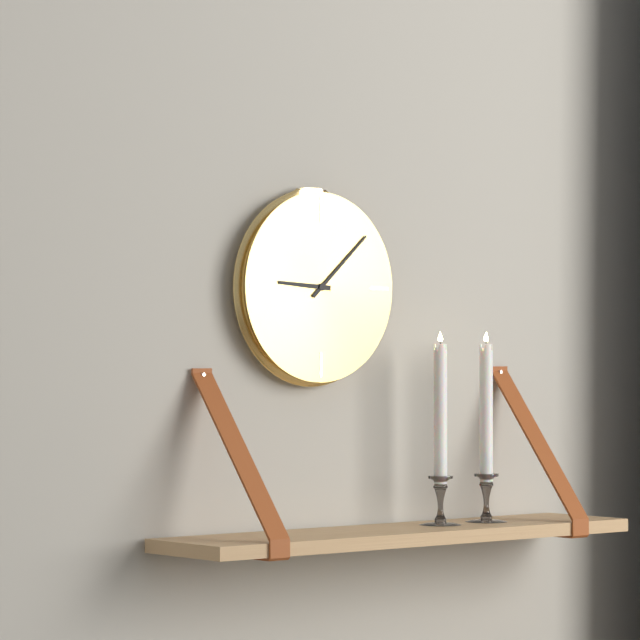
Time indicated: 9:08
